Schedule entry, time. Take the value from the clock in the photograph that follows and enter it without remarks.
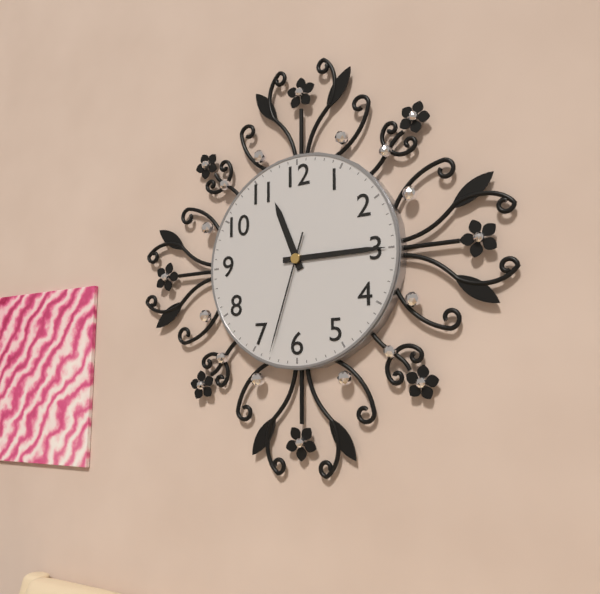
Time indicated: 11:15:33
